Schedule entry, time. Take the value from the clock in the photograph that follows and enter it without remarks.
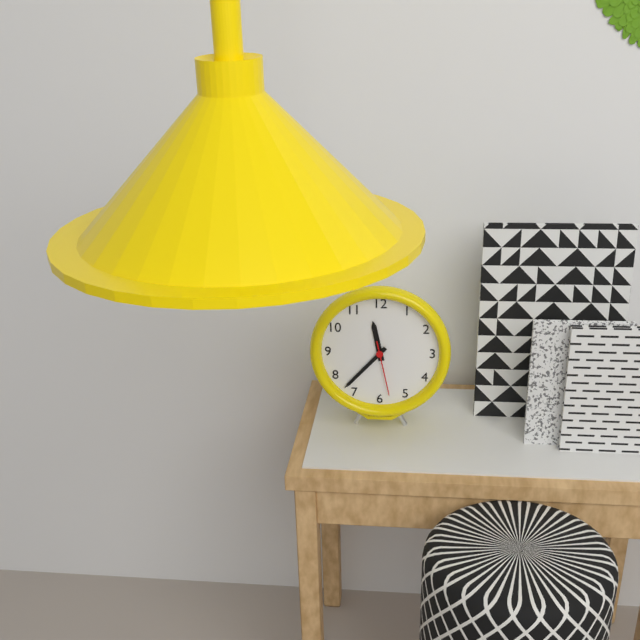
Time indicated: 11:37:28
